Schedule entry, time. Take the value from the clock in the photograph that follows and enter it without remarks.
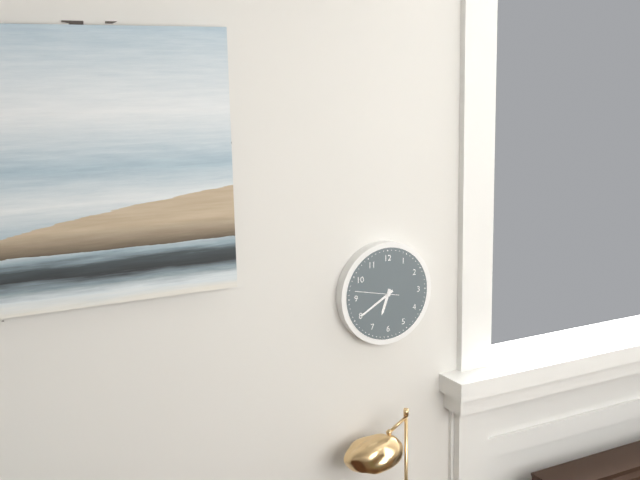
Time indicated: 6:40
